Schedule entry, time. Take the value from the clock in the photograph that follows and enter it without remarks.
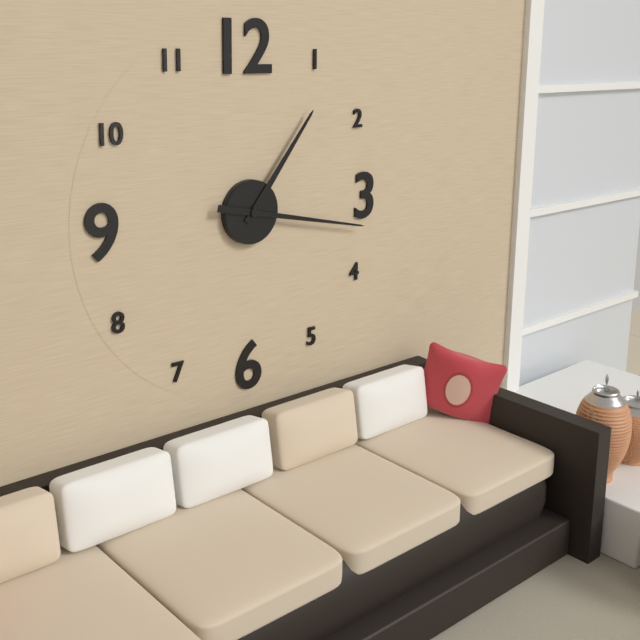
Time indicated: 1:17
